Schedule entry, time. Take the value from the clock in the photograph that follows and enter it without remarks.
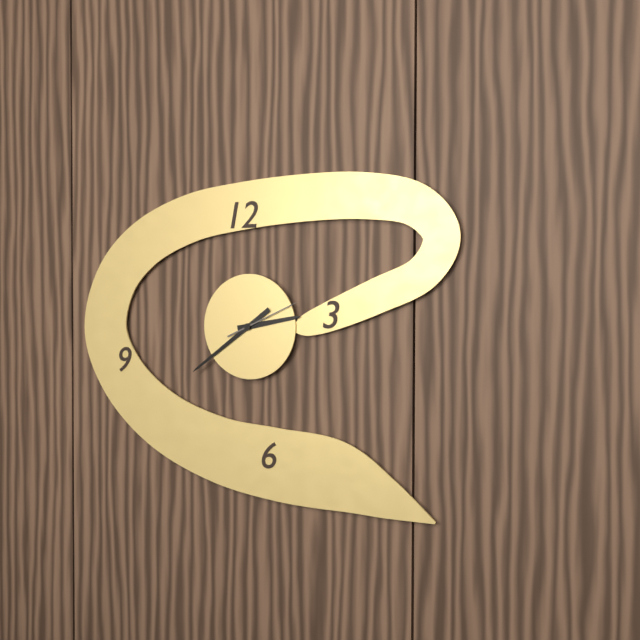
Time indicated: 2:39:11
